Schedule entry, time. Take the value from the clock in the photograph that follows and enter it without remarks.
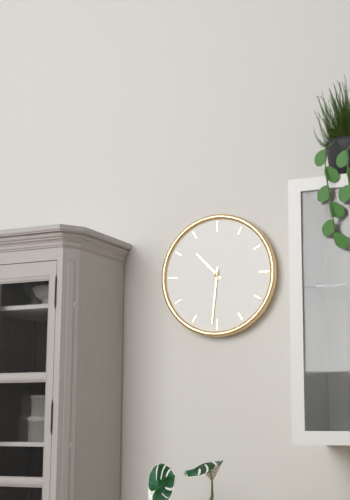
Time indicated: 10:31
